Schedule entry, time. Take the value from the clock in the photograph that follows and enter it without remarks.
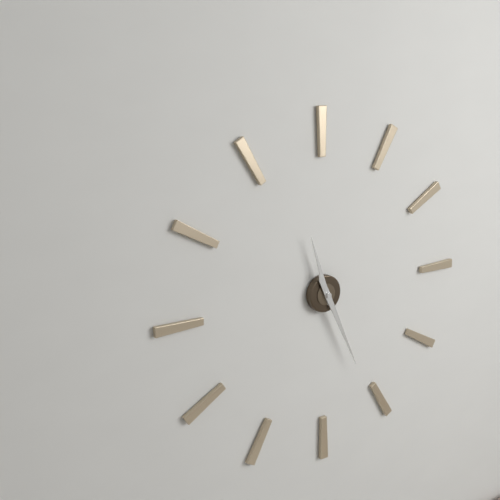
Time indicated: 11:26
